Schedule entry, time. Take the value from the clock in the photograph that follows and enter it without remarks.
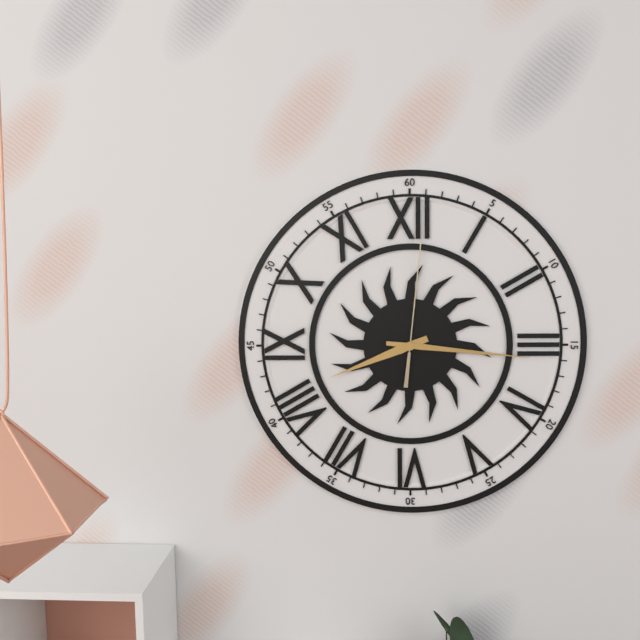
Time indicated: 8:16:01
